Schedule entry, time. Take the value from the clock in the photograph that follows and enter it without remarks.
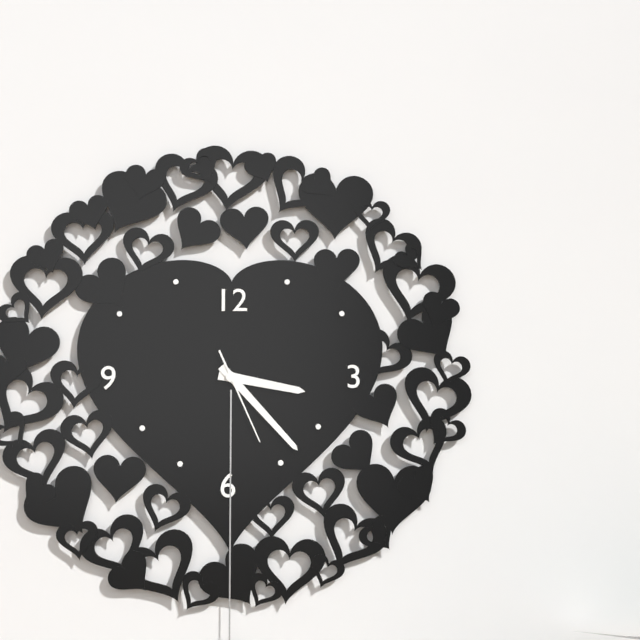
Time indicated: 3:23:26
